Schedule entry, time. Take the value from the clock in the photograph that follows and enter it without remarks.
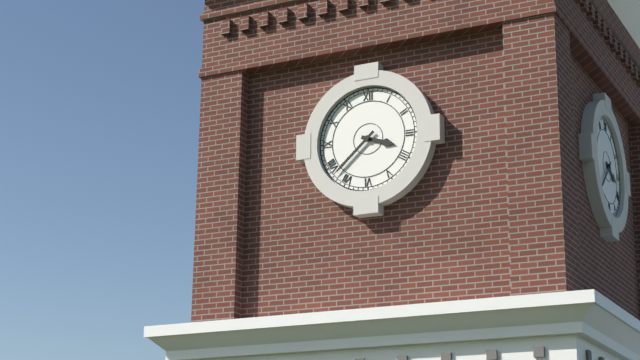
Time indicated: 3:38
